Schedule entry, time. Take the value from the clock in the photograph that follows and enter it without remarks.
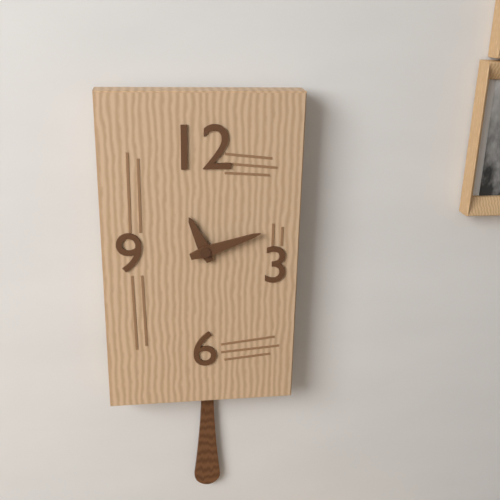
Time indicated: 11:12
